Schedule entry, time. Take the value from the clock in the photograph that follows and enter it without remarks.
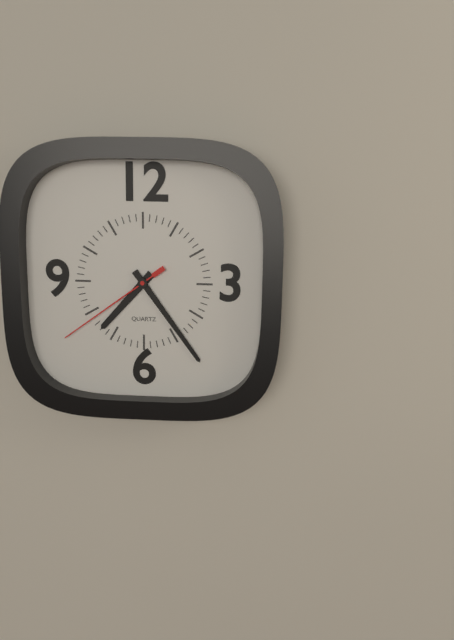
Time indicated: 7:24:39
